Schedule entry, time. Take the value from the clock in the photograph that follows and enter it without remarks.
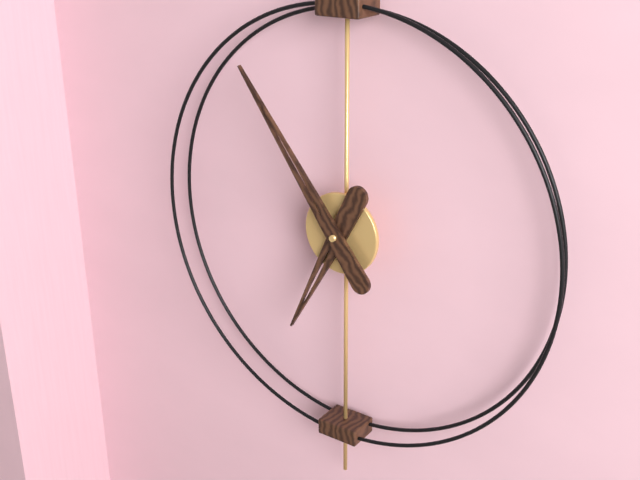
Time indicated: 6:54
